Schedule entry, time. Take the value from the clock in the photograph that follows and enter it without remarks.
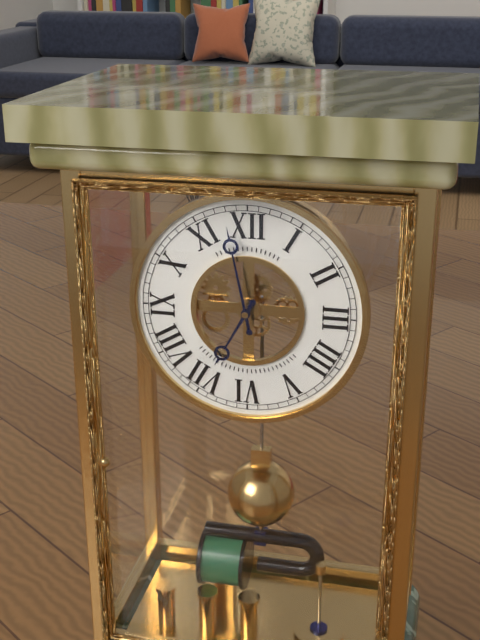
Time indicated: 6:58
